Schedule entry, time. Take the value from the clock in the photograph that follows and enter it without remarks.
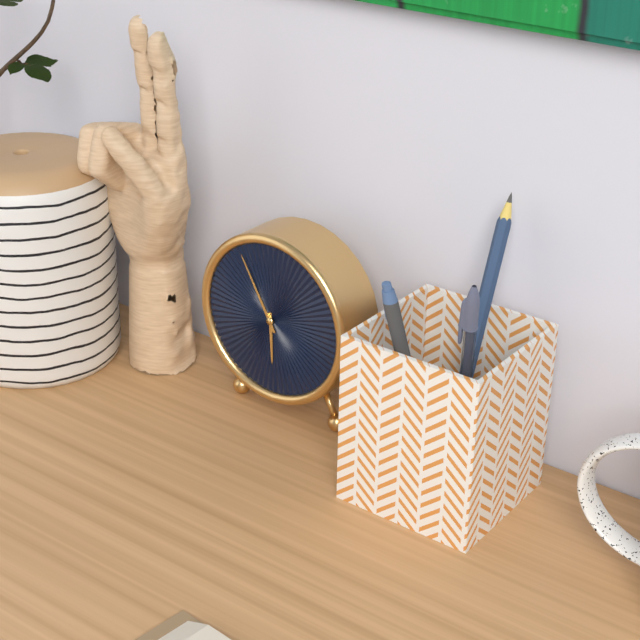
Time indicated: 5:55
